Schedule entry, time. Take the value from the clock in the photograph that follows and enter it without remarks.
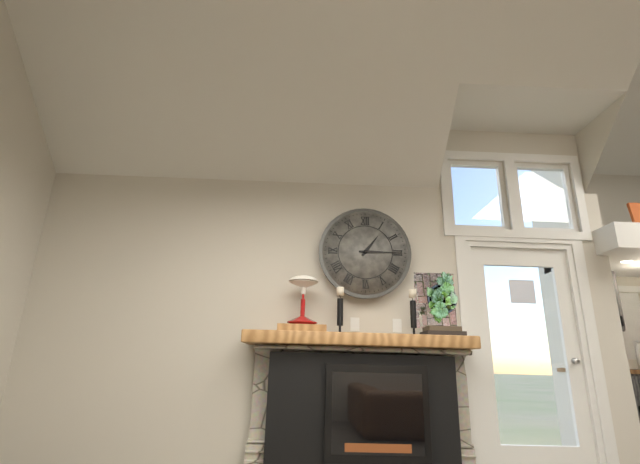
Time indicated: 1:15
